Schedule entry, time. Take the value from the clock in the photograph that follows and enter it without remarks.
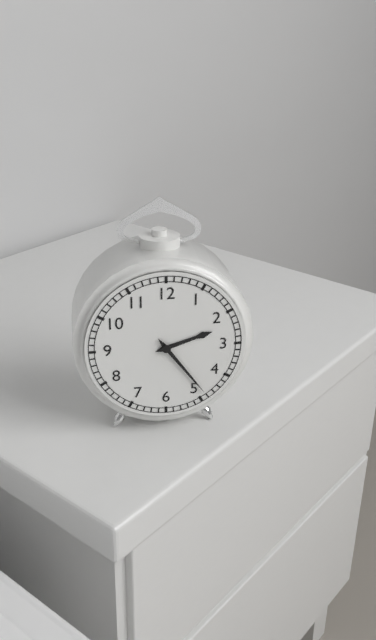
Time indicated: 2:24
